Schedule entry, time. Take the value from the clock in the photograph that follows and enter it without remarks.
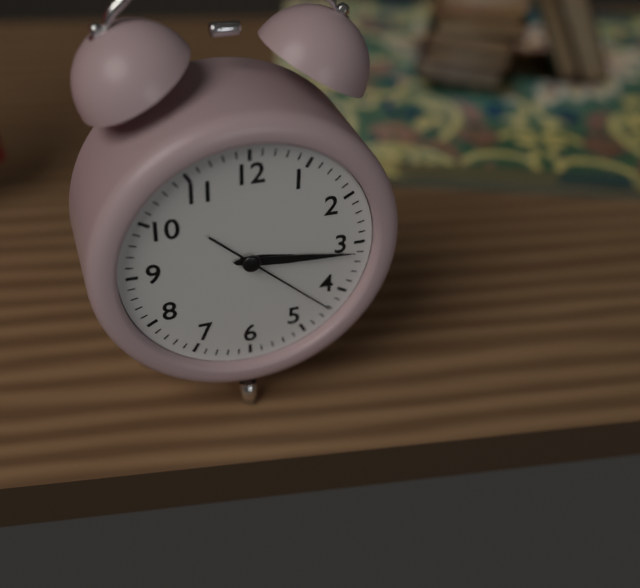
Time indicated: 3:16:22
